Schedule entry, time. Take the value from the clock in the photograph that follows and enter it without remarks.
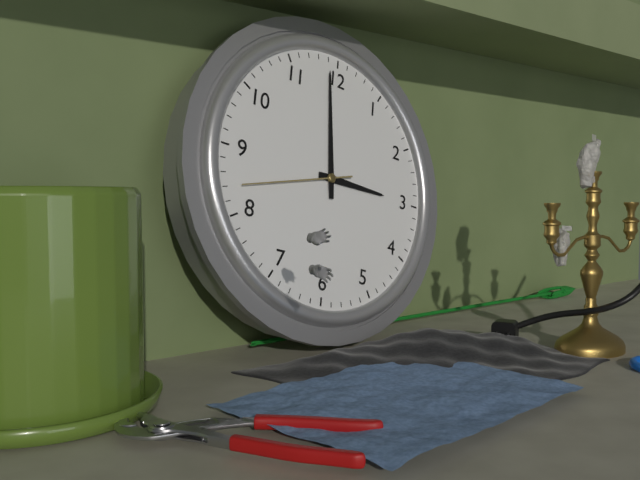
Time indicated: 2:59:42
